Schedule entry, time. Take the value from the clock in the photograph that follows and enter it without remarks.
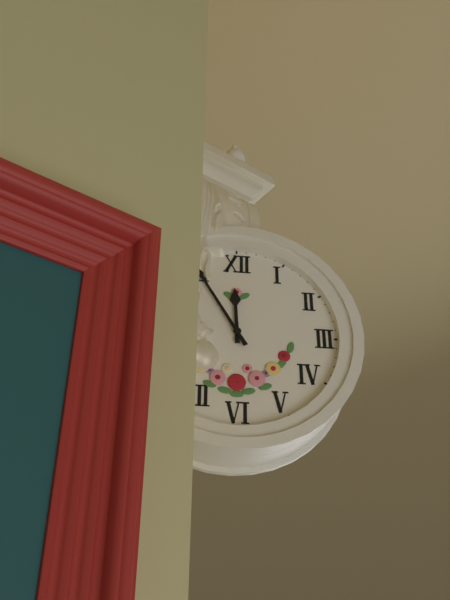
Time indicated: 11:55
